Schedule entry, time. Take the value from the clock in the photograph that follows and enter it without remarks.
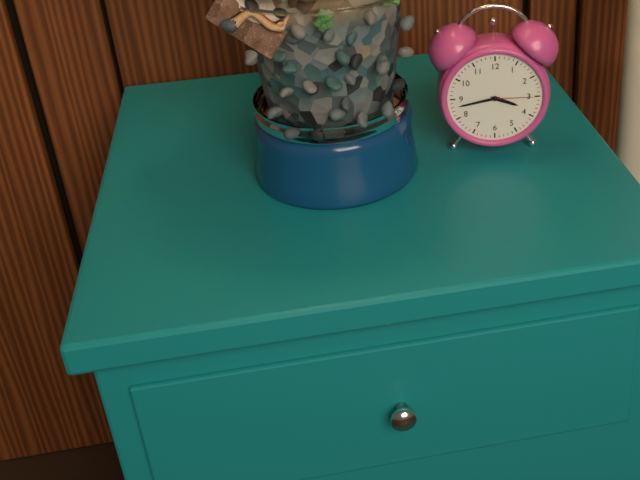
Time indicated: 3:43:15
